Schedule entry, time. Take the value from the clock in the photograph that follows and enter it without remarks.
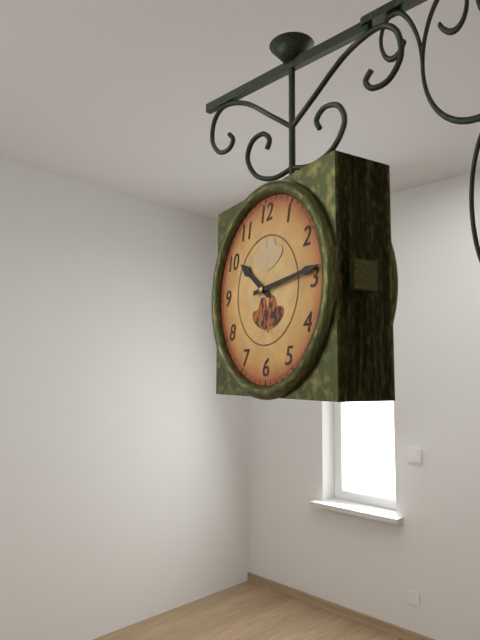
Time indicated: 10:14
